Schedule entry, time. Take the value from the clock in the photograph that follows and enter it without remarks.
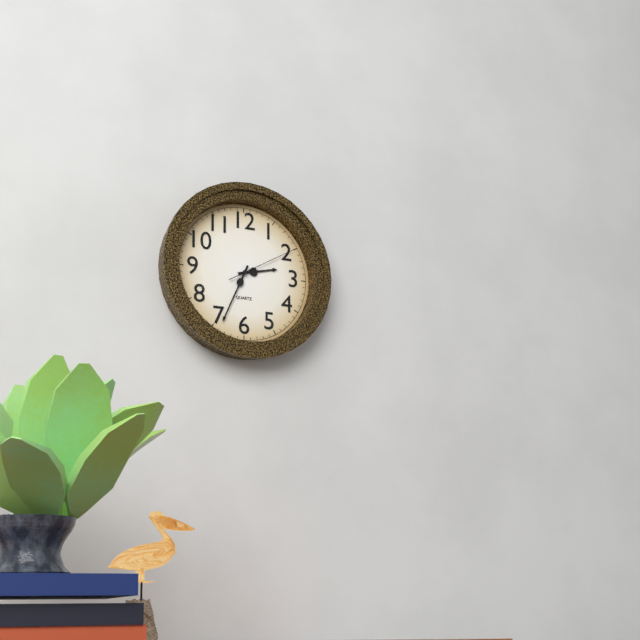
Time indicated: 2:34:10
